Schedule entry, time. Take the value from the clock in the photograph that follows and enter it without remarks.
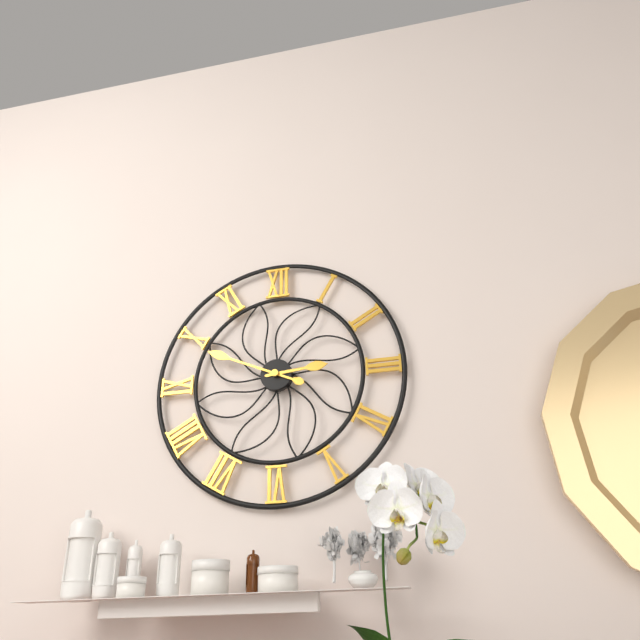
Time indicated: 2:49
